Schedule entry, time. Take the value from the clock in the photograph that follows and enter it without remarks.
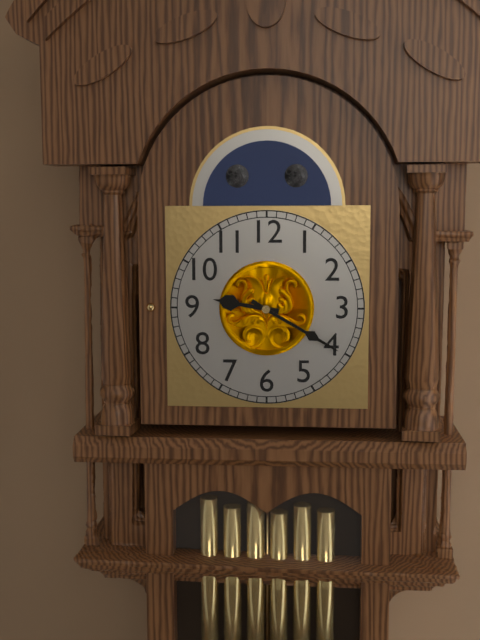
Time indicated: 9:20
